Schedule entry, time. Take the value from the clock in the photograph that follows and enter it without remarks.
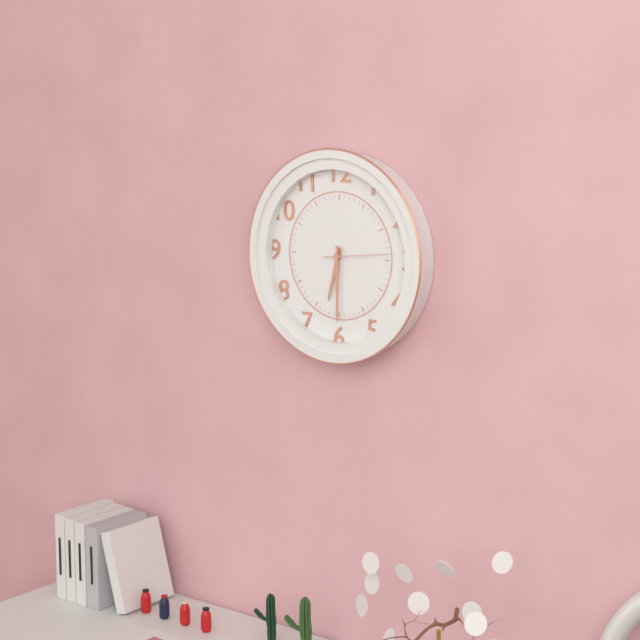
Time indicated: 6:30:14
